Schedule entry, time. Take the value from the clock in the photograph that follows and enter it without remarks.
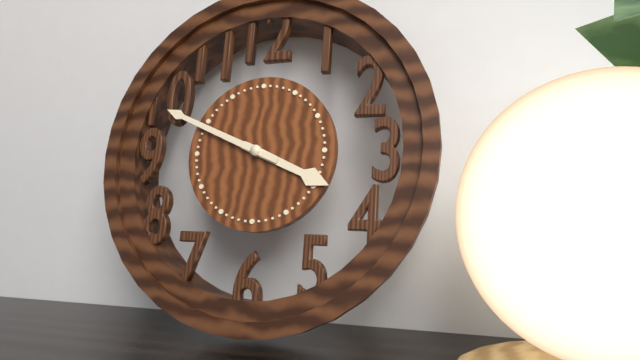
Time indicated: 3:49
